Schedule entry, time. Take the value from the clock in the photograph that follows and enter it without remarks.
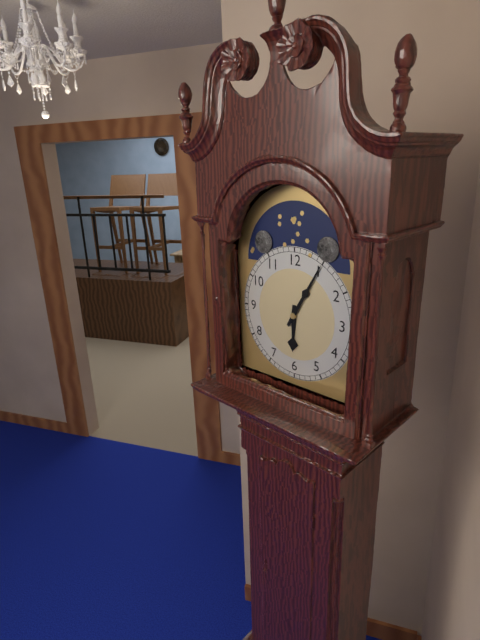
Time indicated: 6:05
